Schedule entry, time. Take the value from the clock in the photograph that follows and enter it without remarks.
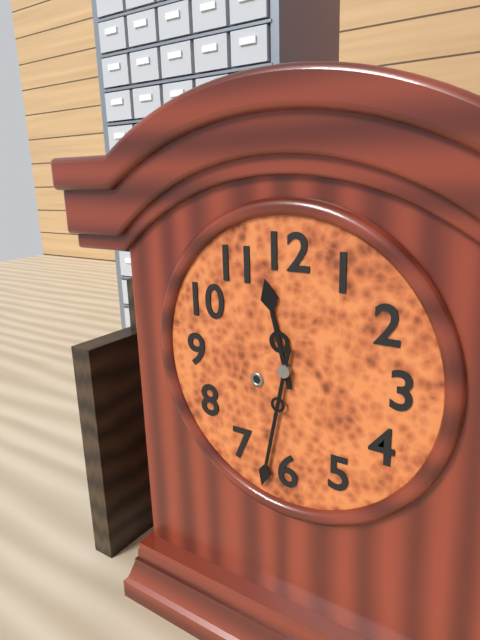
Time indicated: 11:32
